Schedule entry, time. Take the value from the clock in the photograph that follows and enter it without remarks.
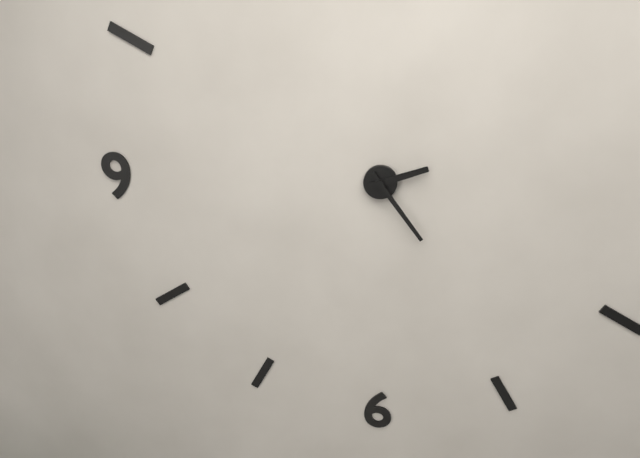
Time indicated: 2:24
